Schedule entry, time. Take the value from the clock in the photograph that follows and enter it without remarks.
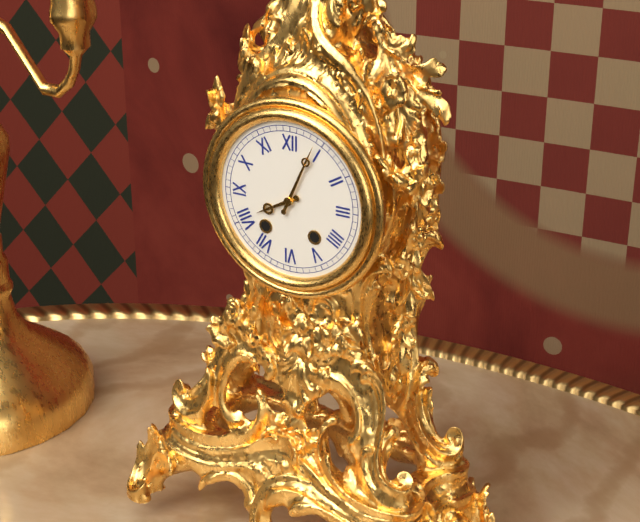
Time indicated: 8:04
